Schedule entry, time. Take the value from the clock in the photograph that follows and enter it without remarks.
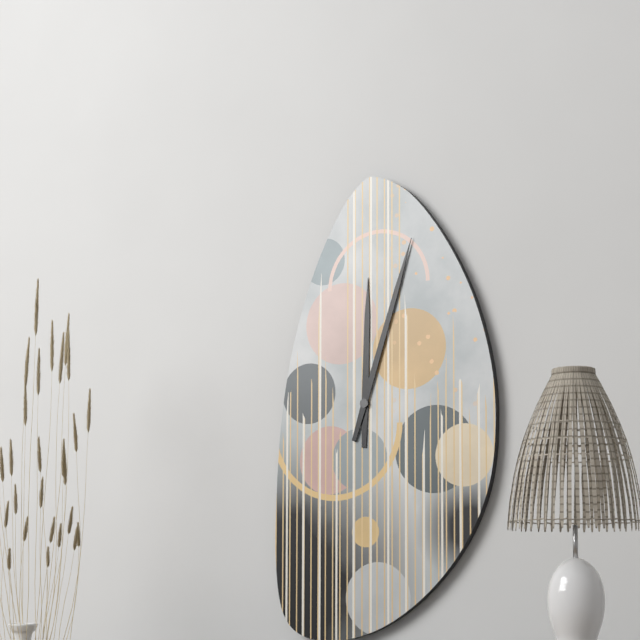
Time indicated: 12:03
